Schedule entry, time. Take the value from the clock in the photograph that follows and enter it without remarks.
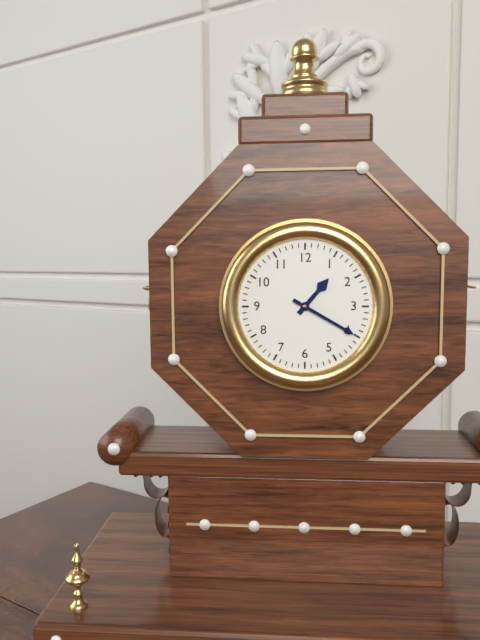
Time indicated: 1:20
